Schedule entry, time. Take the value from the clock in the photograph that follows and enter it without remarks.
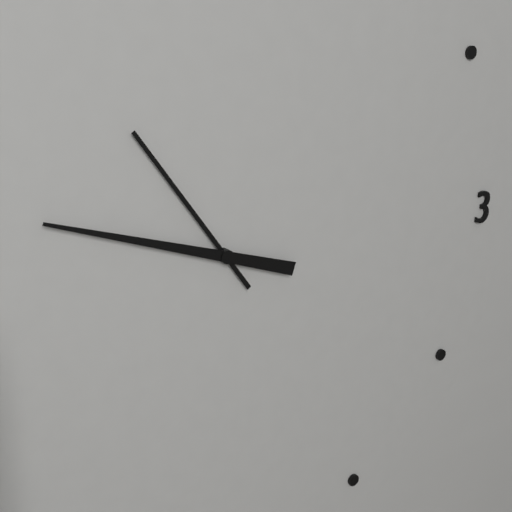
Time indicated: 10:48
